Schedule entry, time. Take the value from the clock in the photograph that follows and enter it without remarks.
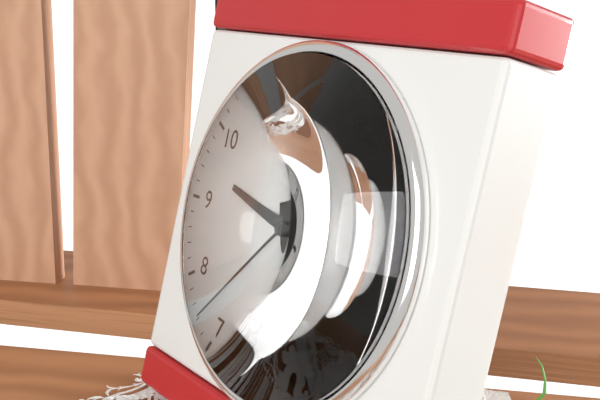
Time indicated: 9:27:37
